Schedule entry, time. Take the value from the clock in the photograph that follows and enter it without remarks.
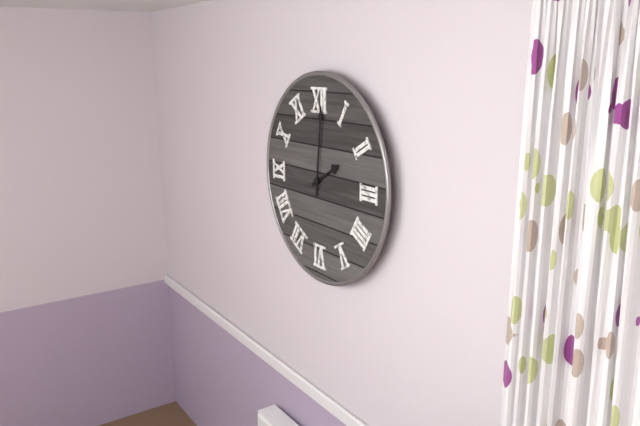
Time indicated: 2:01
